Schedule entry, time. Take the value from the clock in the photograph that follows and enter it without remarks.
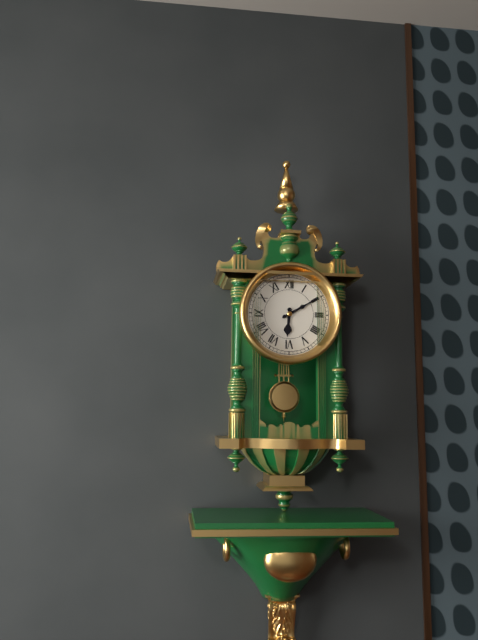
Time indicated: 6:10
